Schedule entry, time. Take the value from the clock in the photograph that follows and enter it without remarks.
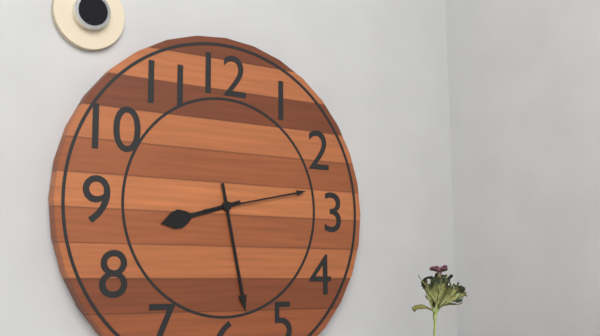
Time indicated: 8:28:13
